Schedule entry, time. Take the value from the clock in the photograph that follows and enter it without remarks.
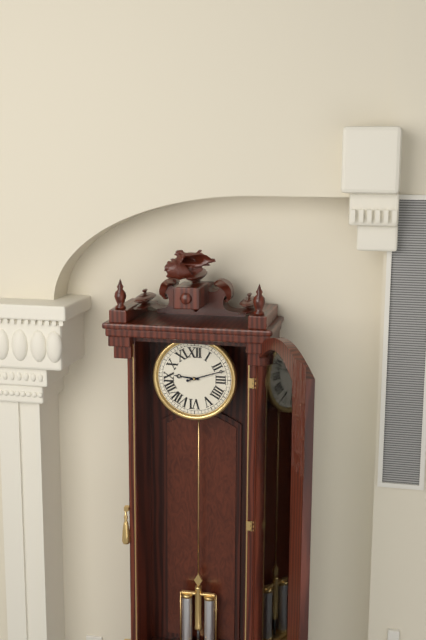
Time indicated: 9:12
